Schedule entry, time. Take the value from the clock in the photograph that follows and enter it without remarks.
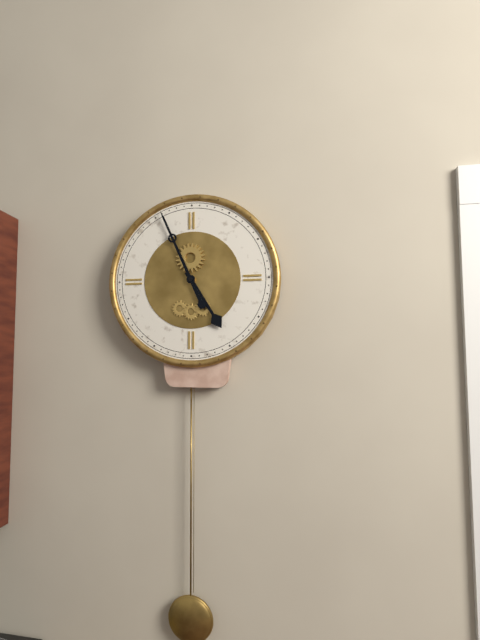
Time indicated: 4:56
